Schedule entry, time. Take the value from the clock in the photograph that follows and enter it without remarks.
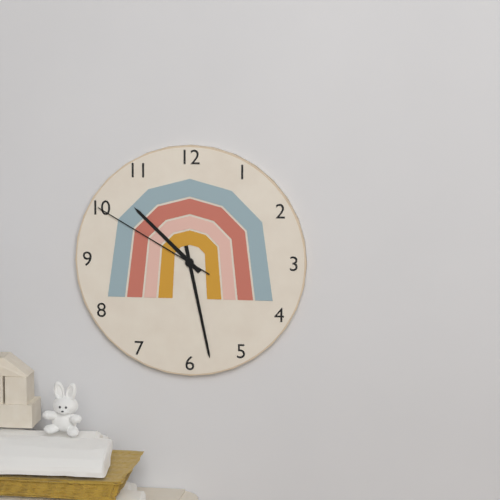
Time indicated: 10:28:50
